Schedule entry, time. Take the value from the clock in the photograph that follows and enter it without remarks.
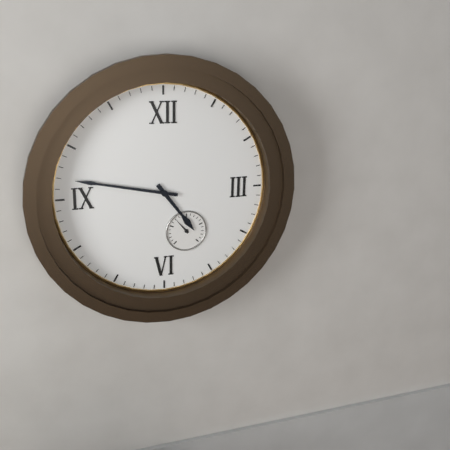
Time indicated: 4:47
